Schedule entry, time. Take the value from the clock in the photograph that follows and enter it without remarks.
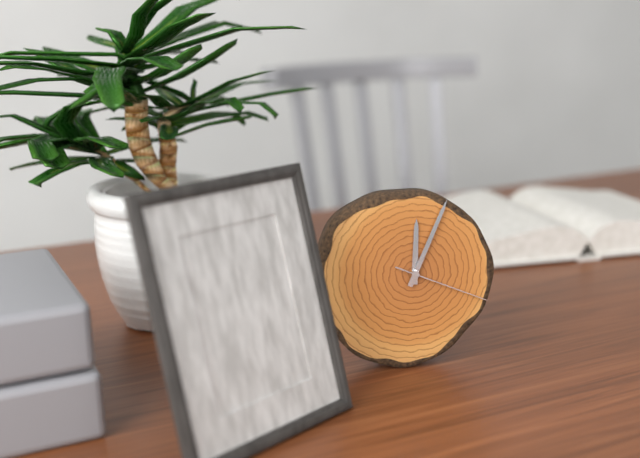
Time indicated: 12:04:19
